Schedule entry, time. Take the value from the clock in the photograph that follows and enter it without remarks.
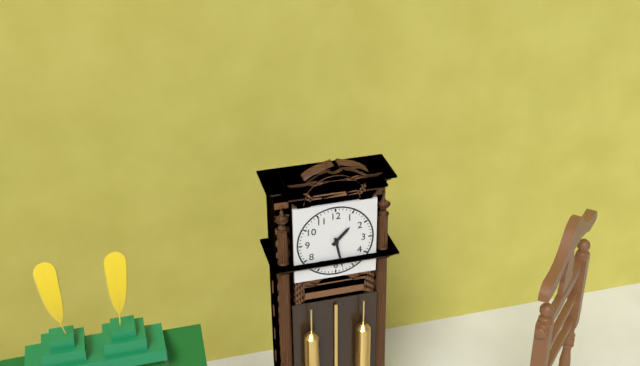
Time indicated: 1:28
